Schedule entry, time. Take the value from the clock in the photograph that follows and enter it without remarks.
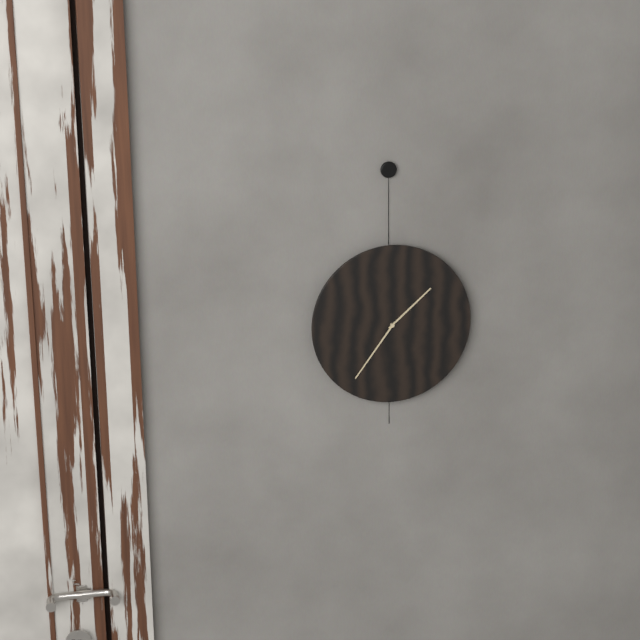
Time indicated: 1:36
